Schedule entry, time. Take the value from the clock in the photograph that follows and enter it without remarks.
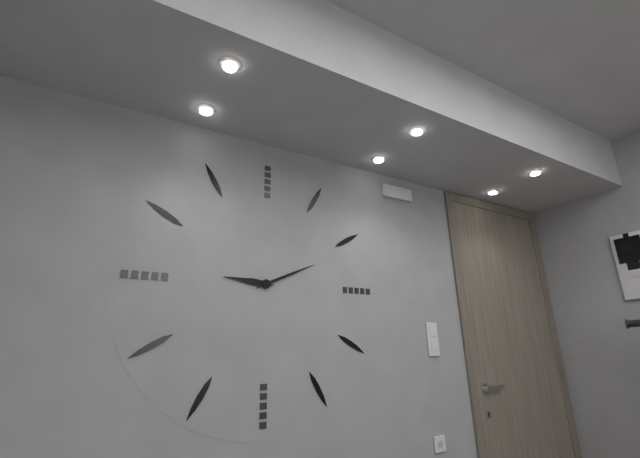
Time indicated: 9:11
